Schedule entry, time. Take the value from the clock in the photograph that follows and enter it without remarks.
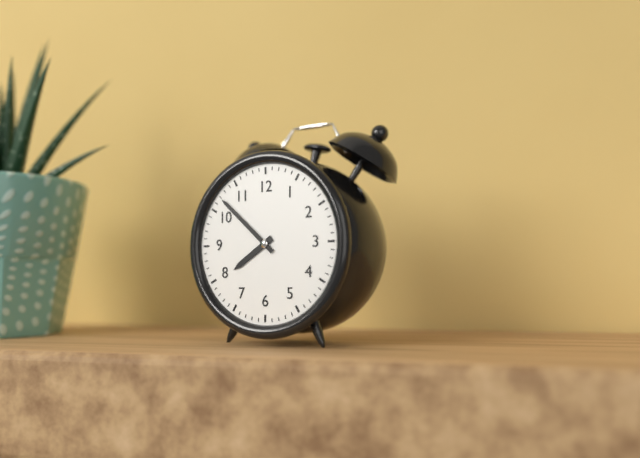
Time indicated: 7:52
